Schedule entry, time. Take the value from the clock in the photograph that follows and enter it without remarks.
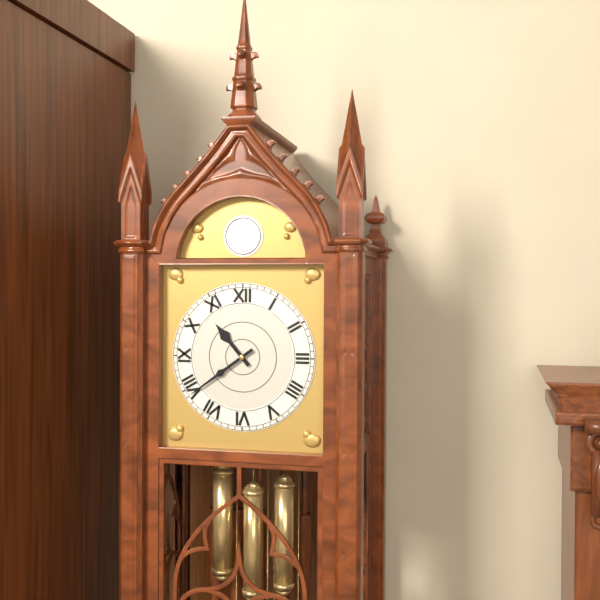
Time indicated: 10:39
